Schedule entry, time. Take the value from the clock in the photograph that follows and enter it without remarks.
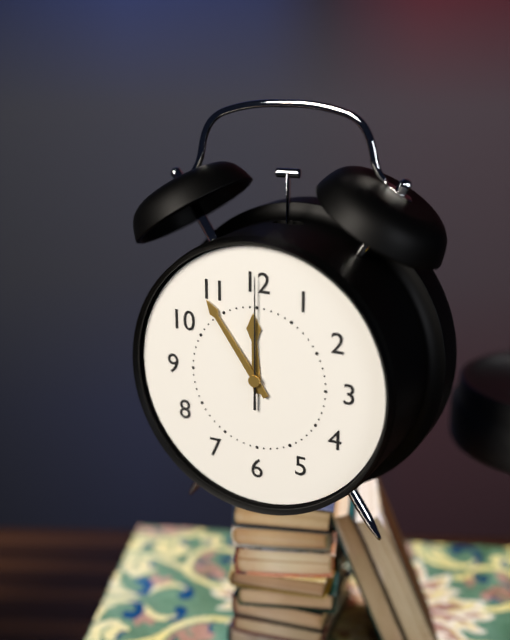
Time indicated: 11:54:00
